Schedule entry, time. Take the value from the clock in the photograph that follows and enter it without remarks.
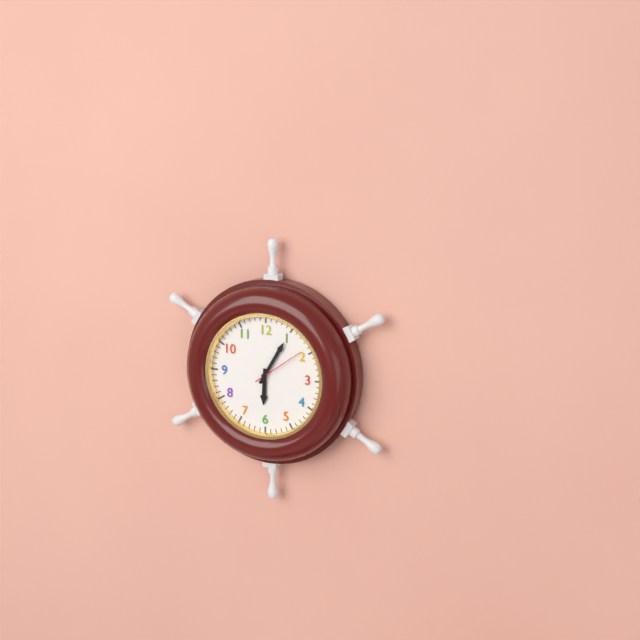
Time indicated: 6:05:09
